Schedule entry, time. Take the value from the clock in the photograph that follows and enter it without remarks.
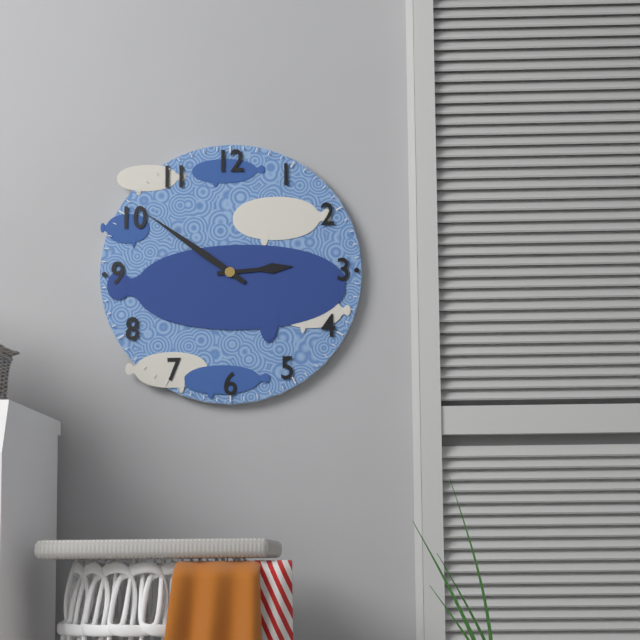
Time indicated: 2:51
